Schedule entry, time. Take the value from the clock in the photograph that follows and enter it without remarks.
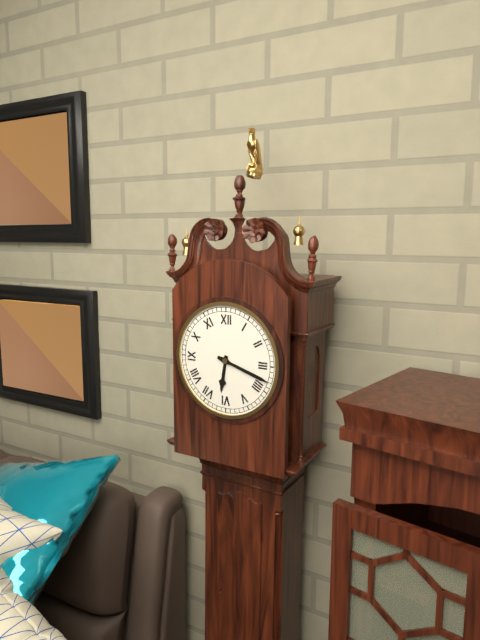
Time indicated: 6:18
